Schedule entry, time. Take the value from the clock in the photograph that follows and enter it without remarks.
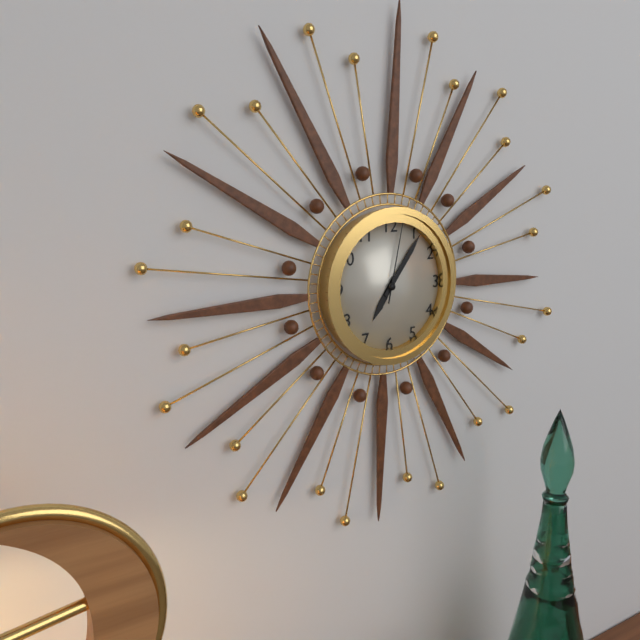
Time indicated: 7:06:02
